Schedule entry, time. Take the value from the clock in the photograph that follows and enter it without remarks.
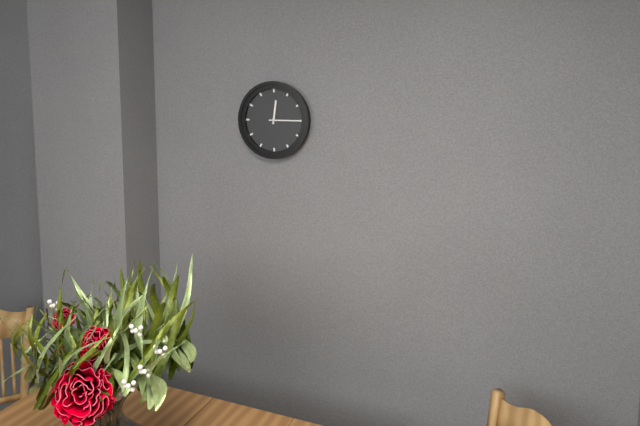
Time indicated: 12:15
